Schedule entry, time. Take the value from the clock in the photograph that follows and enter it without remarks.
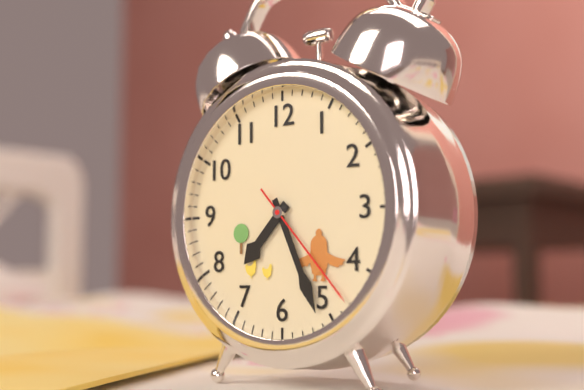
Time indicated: 7:26:23
